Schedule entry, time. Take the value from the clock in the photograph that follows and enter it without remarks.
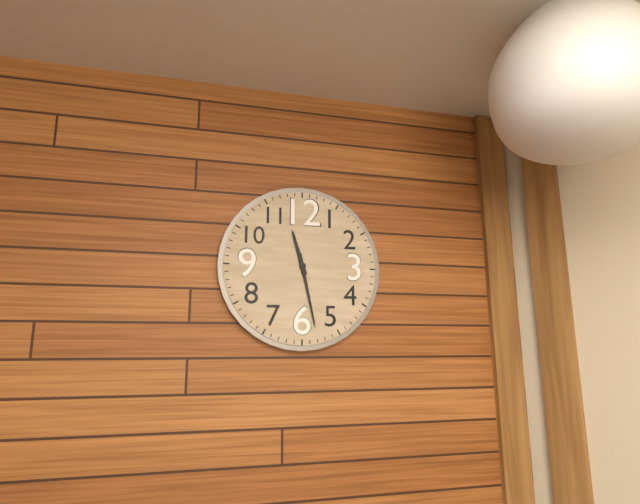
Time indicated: 11:28
